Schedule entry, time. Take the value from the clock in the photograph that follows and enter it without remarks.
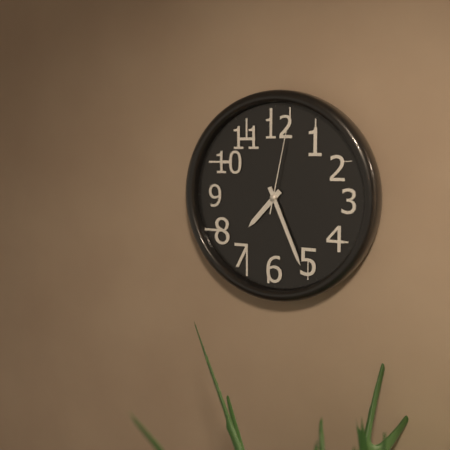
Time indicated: 7:26:02
